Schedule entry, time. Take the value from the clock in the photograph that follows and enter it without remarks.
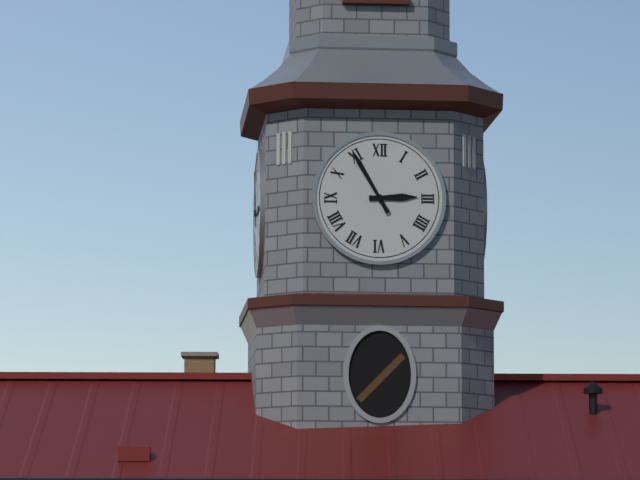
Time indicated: 2:55
